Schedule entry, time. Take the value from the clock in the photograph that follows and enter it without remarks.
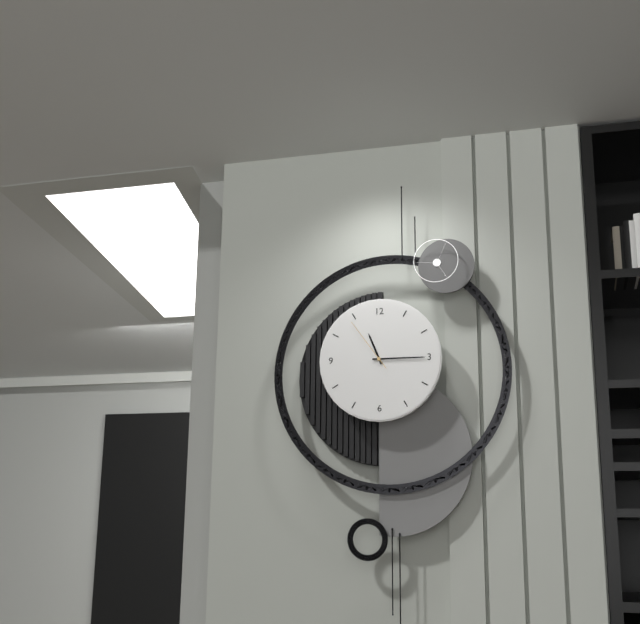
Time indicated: 11:15:54
